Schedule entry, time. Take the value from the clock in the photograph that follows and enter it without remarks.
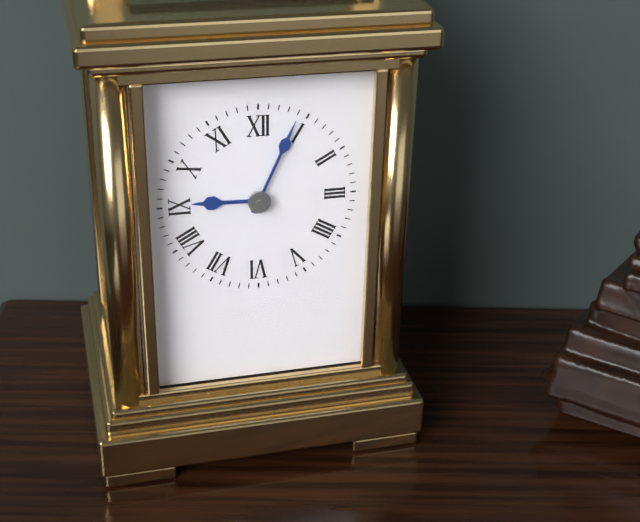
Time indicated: 9:04
